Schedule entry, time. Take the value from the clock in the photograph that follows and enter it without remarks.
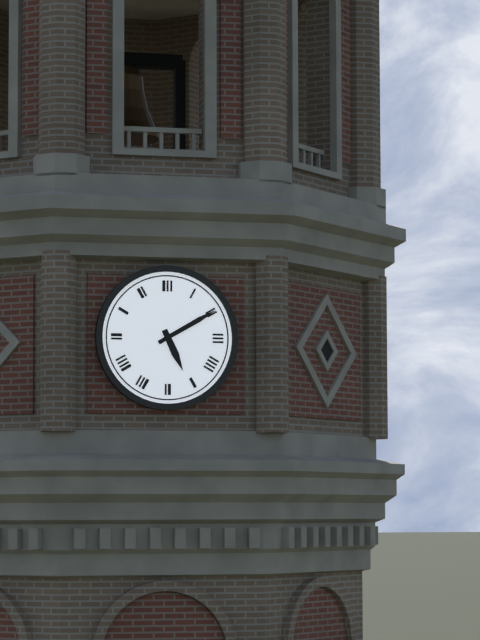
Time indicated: 5:10
